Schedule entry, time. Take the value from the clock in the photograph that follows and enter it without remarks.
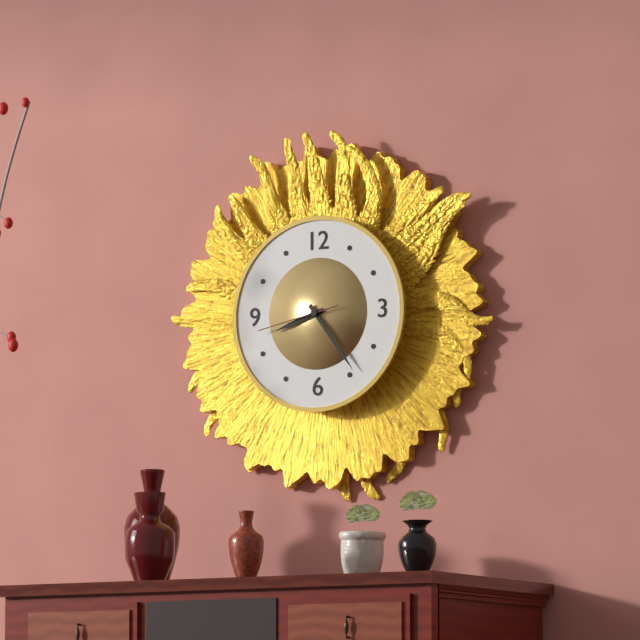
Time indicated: 8:24:43
